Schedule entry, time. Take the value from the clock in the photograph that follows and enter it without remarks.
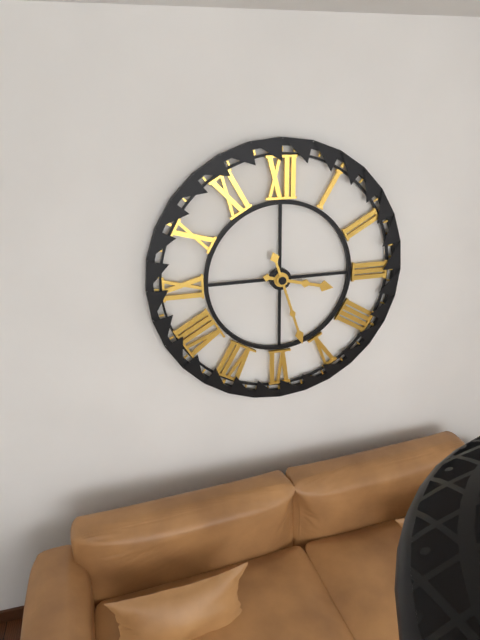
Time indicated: 3:27
